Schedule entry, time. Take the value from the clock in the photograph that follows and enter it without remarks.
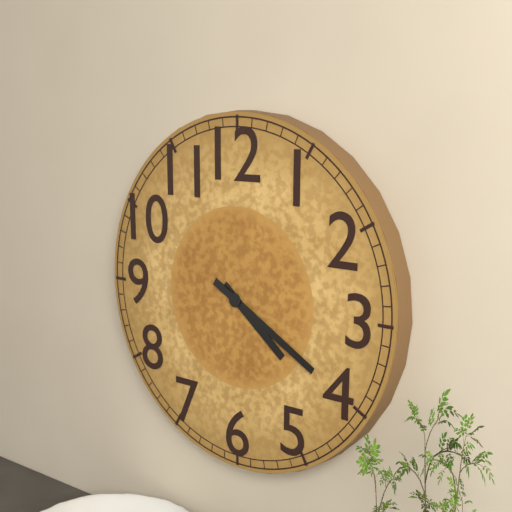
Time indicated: 4:20
